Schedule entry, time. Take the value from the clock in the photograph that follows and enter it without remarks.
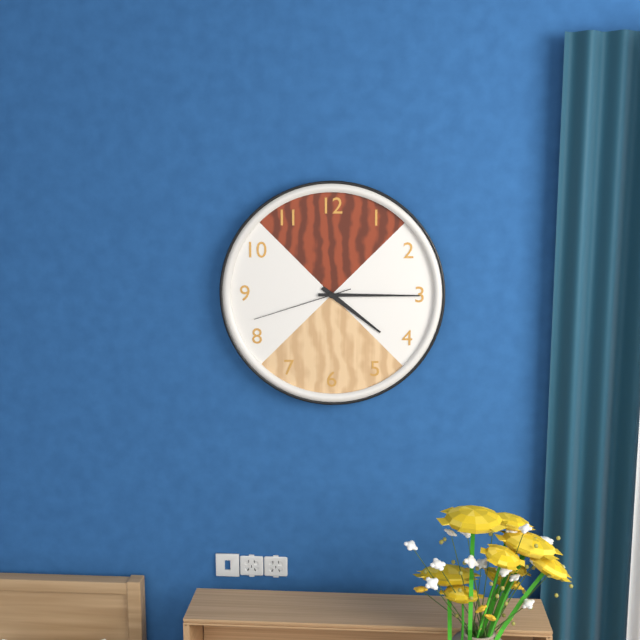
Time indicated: 4:15:42
